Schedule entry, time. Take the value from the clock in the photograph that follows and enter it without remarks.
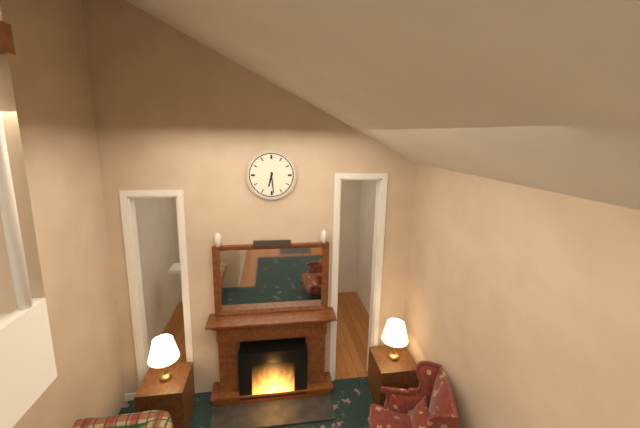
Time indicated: 6:29
